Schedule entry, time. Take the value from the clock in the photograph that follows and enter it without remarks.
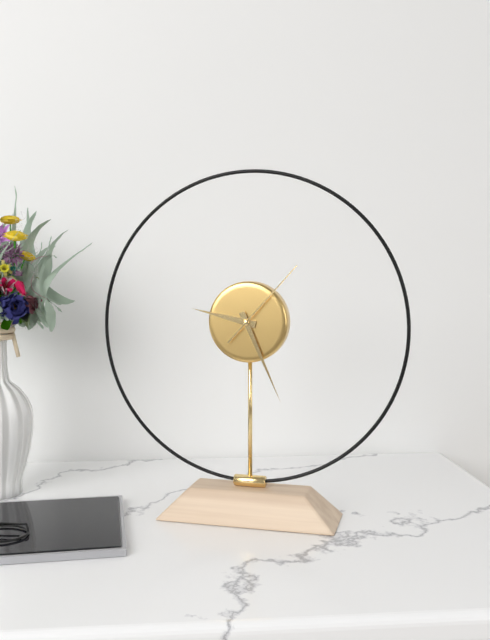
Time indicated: 9:26:07
